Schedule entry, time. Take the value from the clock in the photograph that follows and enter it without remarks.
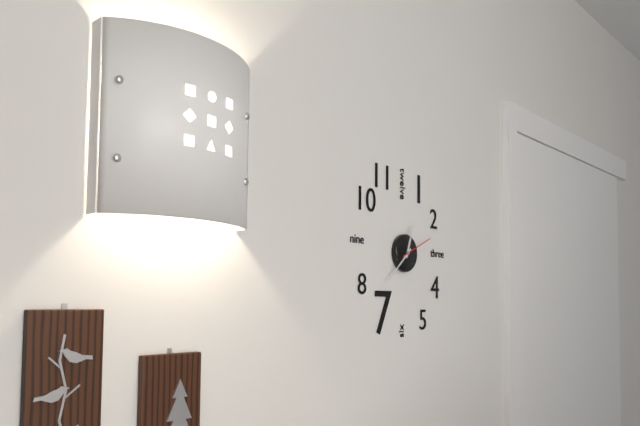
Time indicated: 12:38
